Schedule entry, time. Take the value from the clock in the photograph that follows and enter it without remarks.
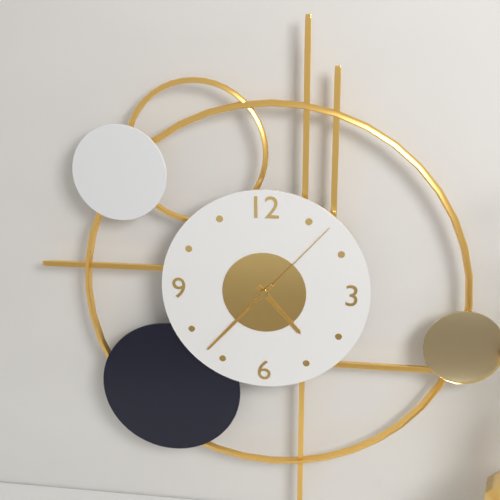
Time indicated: 4:37:07
